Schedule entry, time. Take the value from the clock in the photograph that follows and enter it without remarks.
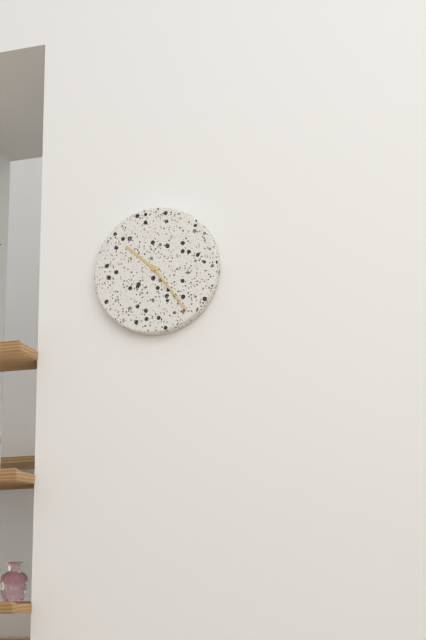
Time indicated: 10:24
